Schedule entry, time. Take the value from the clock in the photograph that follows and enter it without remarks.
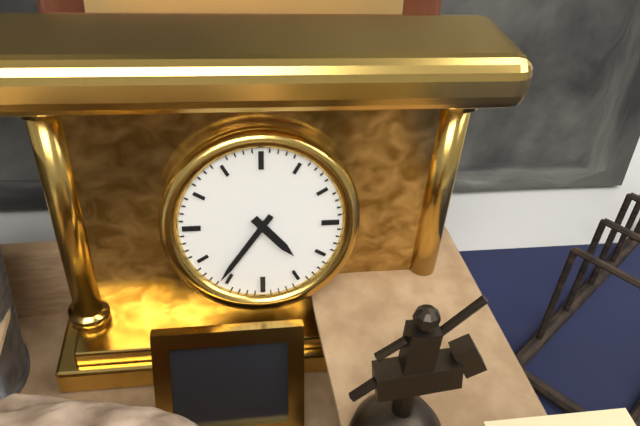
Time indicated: 4:36
